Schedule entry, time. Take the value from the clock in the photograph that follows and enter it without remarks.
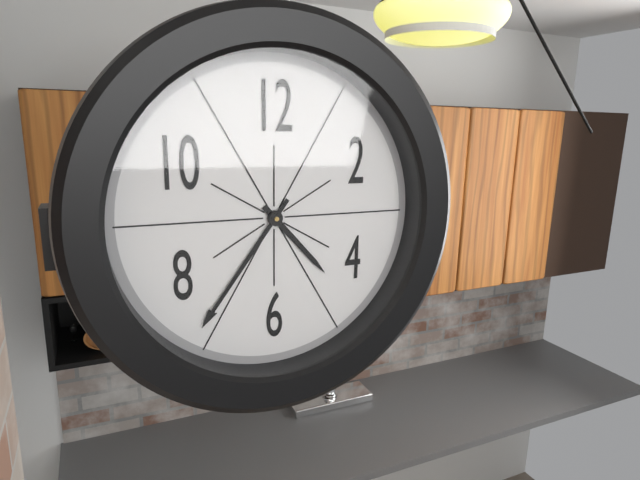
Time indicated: 4:36
